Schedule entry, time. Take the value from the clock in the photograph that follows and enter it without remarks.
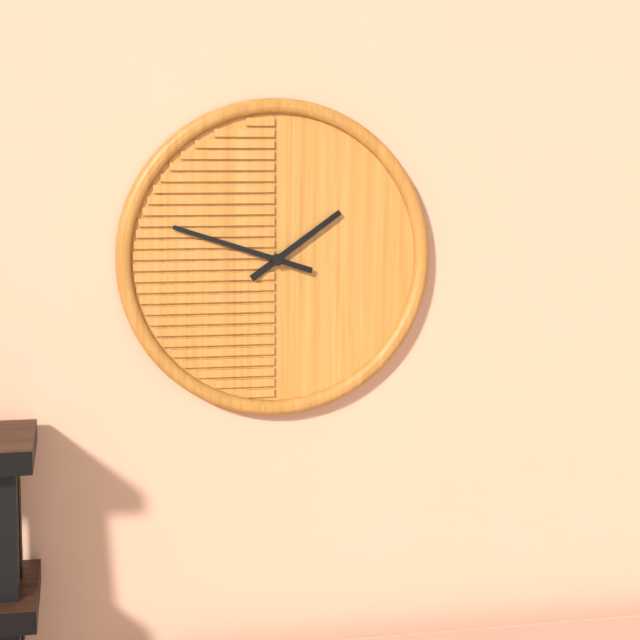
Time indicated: 1:48
